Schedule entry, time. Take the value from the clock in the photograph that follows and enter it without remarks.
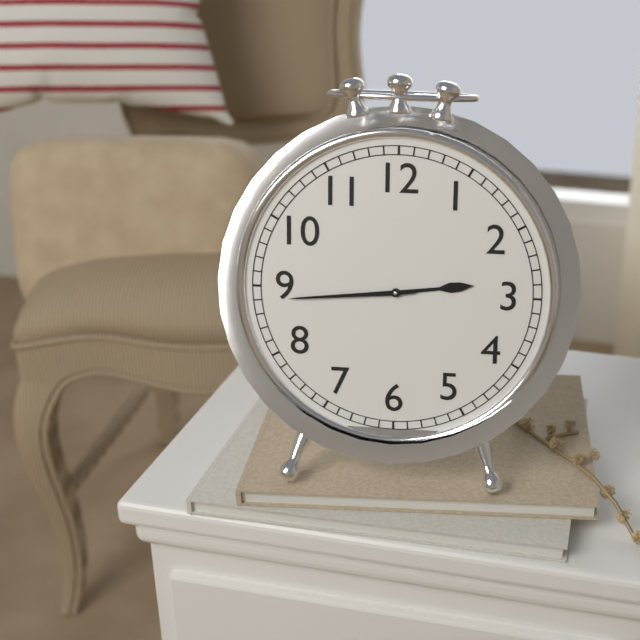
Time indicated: 2:44
